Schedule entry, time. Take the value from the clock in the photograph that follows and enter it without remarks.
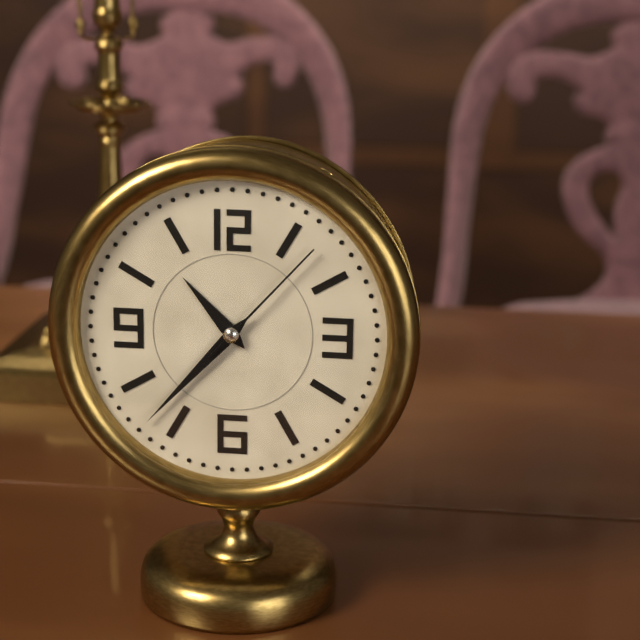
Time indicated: 10:37:07
